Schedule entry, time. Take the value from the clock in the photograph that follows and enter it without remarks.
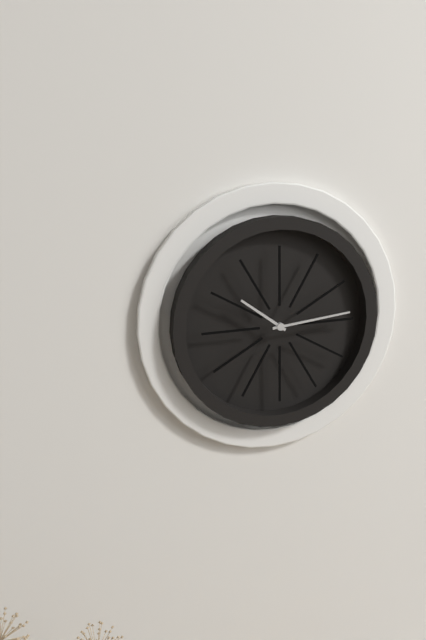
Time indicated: 10:14
